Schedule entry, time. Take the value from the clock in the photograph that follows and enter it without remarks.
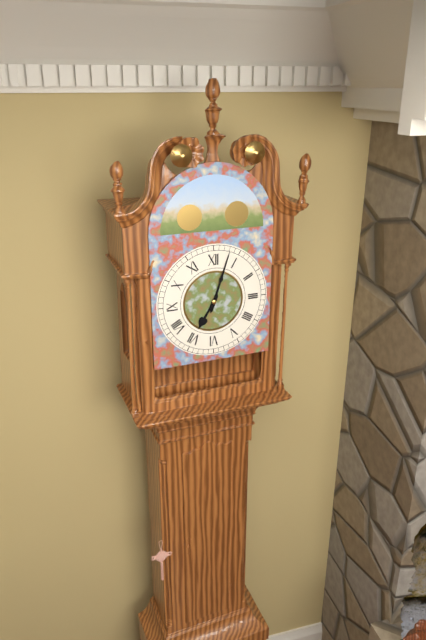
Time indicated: 7:03
